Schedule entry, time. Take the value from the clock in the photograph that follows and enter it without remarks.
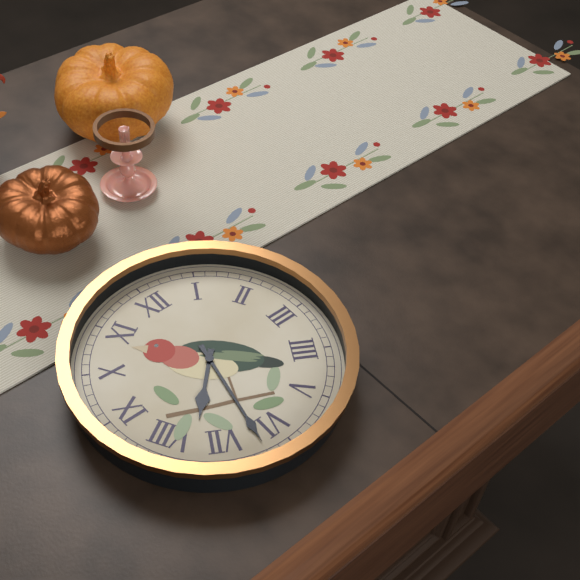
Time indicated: 7:32
